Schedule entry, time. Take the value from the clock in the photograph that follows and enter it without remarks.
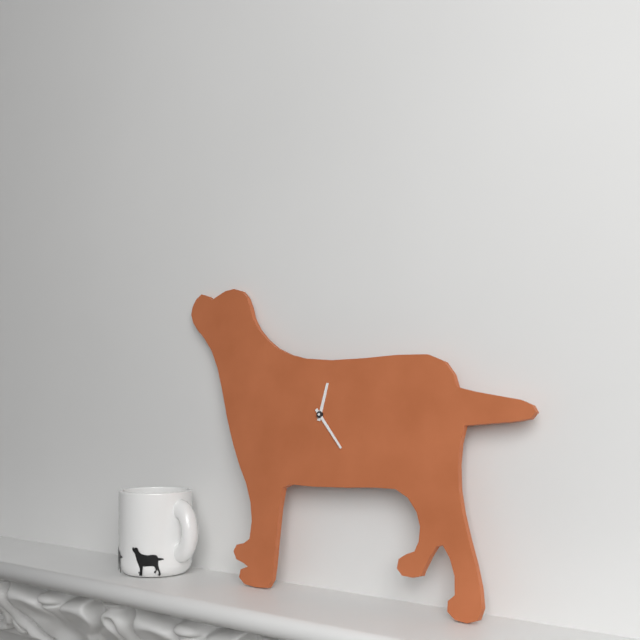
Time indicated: 12:23
